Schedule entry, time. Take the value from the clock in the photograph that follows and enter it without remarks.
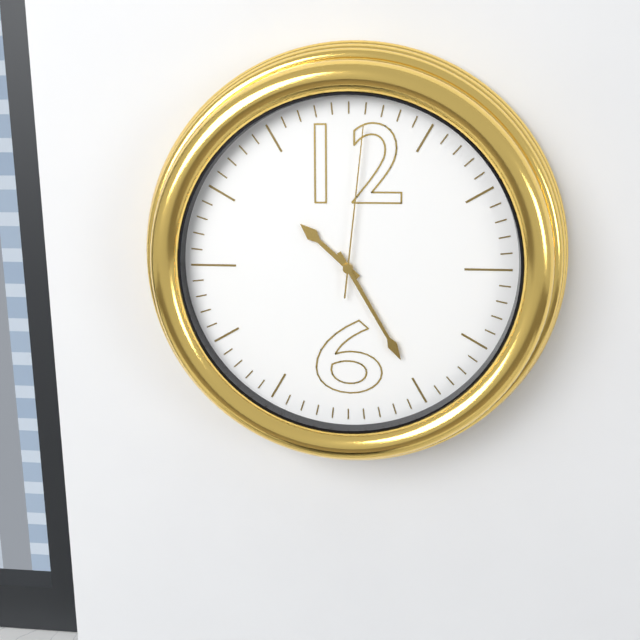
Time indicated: 10:25:01
